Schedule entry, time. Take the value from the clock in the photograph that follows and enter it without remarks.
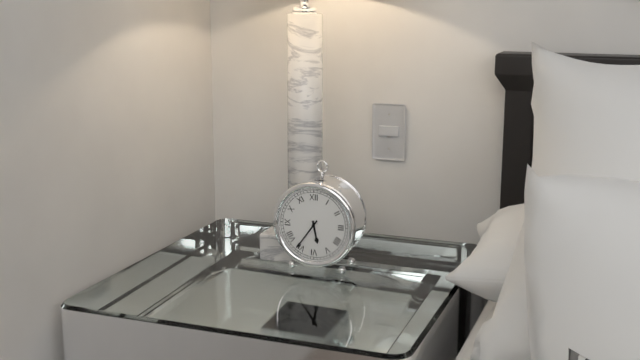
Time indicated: 5:36
